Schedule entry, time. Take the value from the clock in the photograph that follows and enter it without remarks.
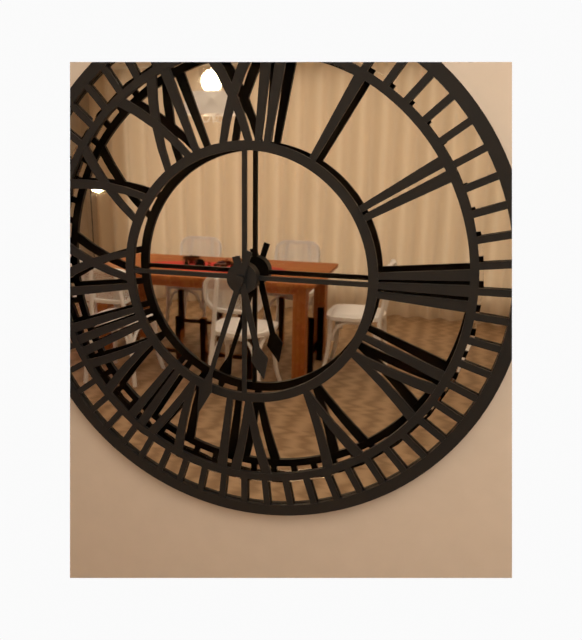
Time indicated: 5:33
